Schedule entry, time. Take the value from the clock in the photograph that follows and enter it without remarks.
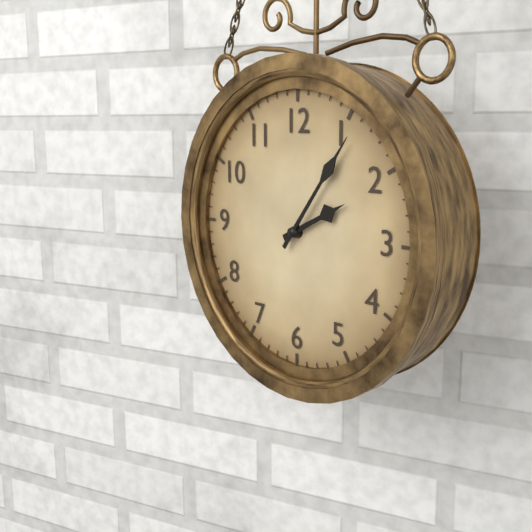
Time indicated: 2:06
